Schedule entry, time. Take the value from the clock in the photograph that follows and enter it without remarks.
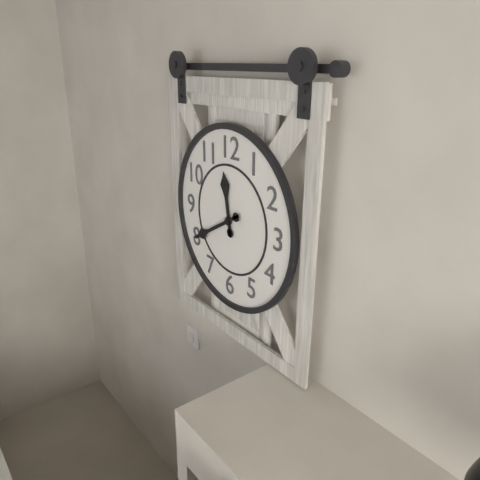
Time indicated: 11:40
